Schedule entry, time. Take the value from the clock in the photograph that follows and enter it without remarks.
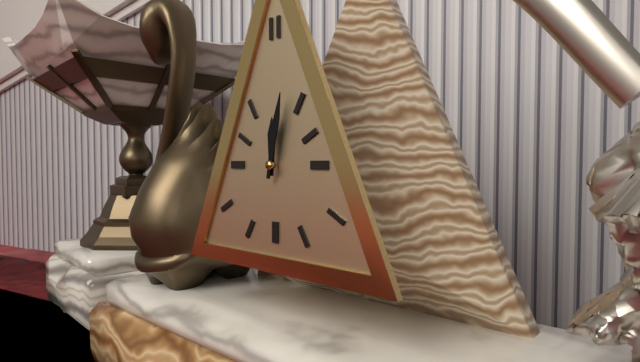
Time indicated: 12:02
